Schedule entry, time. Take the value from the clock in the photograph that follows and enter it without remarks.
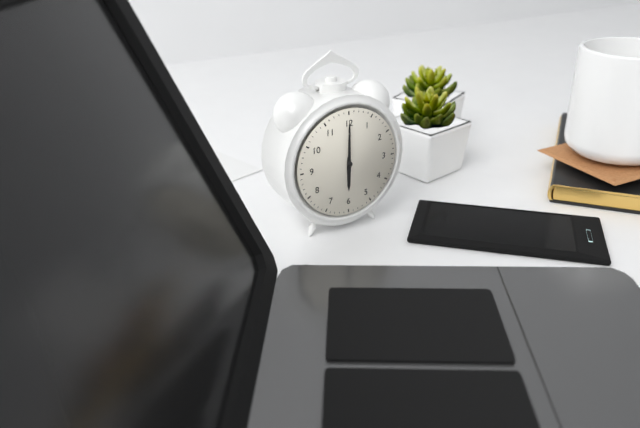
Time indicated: 6:00
